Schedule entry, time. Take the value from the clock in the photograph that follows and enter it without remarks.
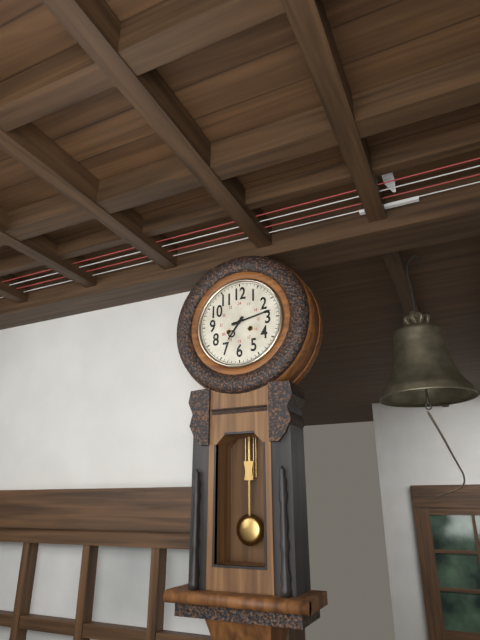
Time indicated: 7:13
